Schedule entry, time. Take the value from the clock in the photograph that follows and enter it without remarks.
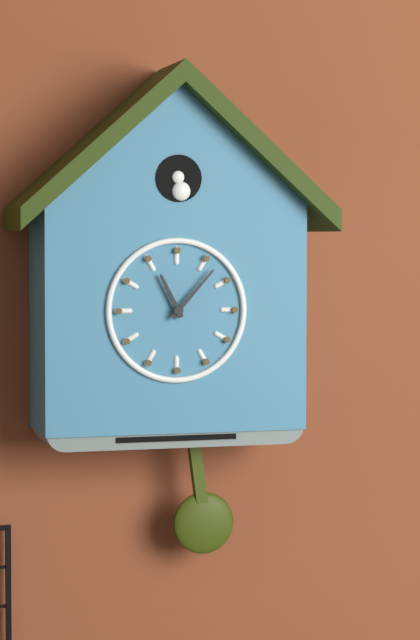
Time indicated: 11:07
